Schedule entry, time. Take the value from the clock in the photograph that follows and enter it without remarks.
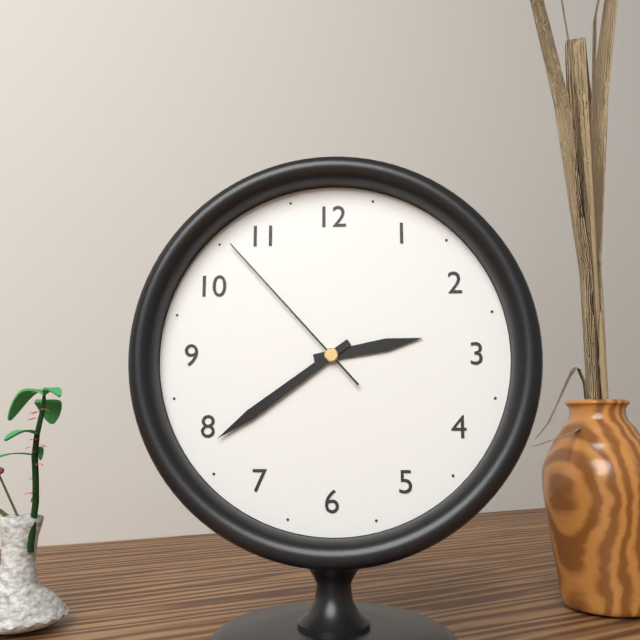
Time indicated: 2:39:53
